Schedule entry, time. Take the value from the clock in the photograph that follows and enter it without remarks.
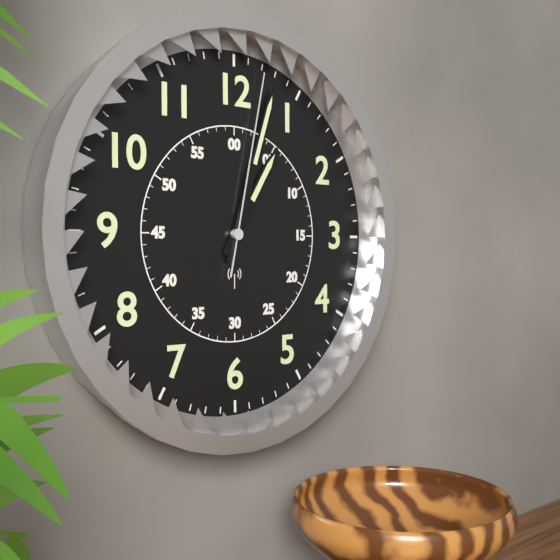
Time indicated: 1:03:02
